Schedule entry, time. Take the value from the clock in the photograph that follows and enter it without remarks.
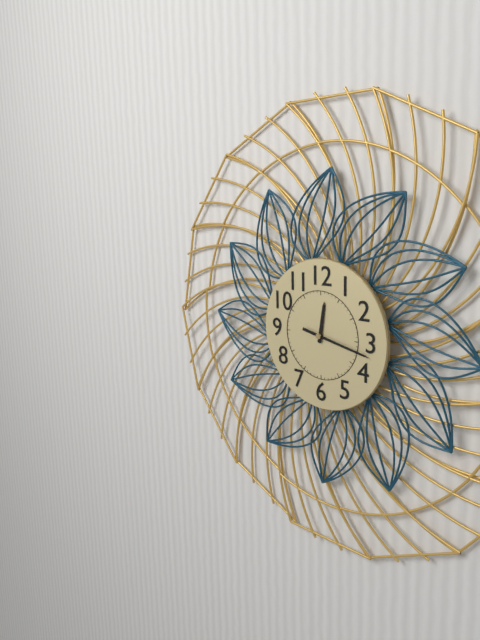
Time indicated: 12:17
